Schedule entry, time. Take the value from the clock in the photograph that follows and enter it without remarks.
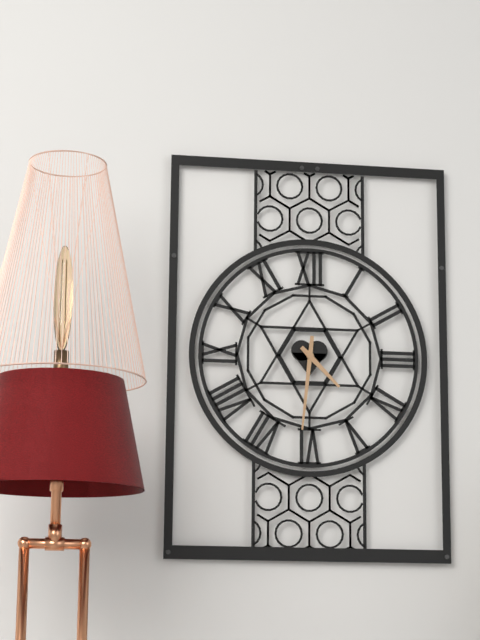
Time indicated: 4:31
